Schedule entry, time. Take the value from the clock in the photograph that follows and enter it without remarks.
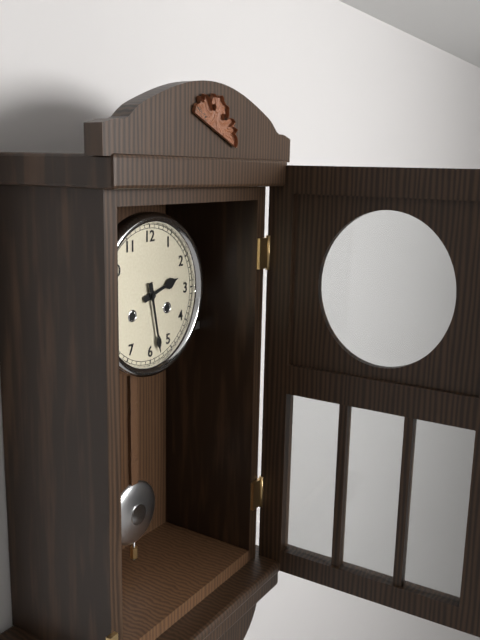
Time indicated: 2:28
